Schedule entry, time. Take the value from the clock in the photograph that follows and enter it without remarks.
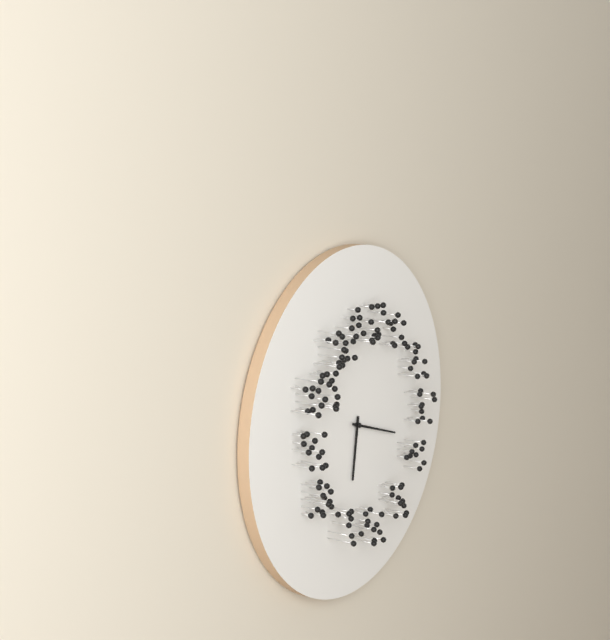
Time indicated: 6:18
